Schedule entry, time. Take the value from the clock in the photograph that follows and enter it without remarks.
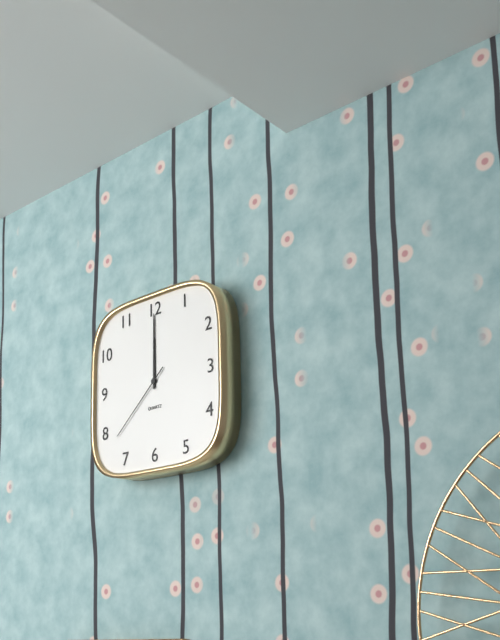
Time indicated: 12:00:38
